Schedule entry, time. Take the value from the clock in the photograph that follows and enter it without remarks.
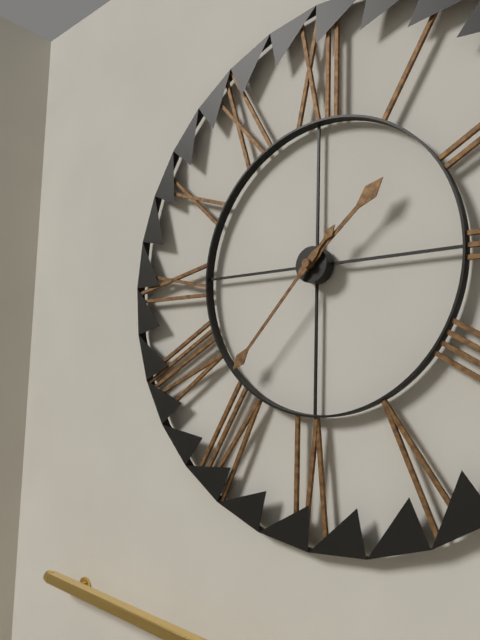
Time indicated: 1:37
